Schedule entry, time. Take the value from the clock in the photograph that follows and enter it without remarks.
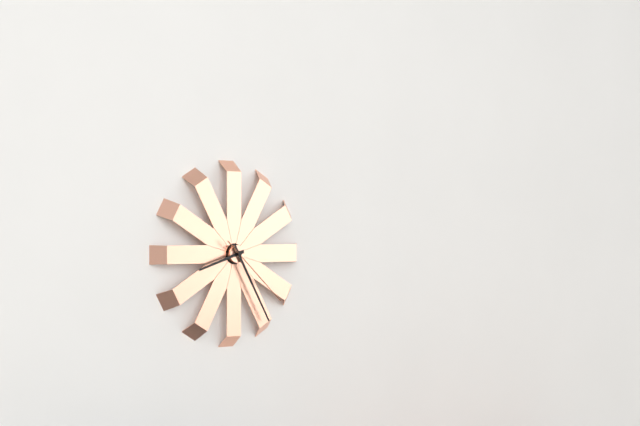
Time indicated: 8:25:22
